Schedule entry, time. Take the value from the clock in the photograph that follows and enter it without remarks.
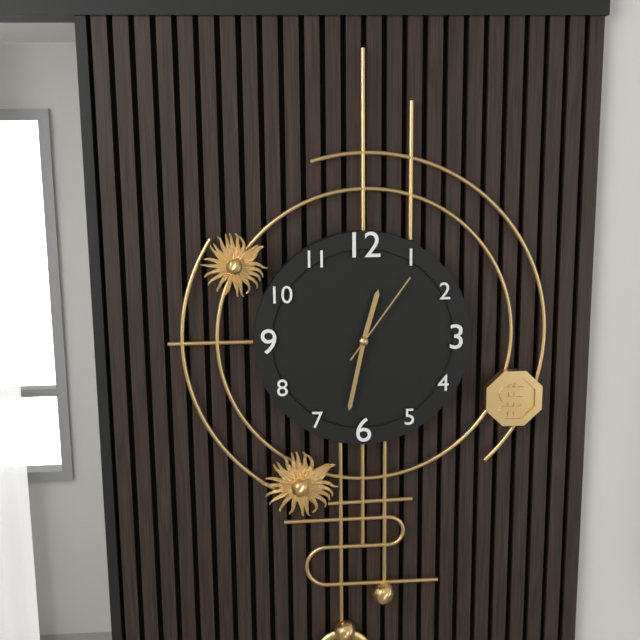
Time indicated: 12:32:06
